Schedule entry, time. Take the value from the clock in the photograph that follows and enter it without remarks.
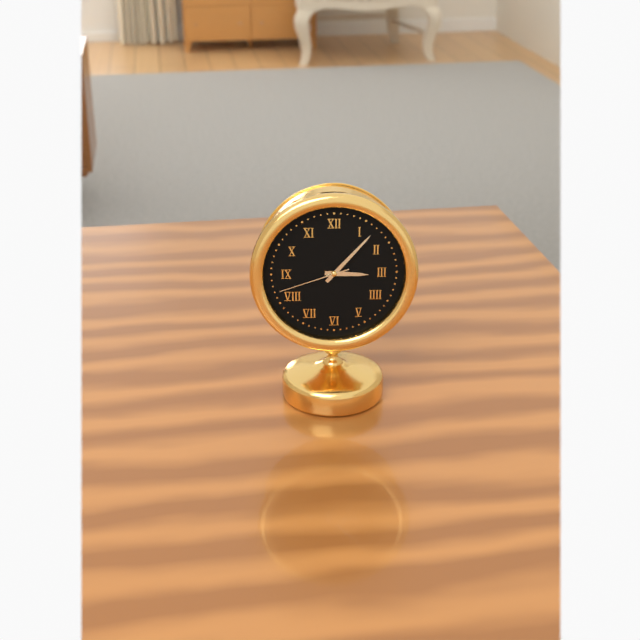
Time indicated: 3:07:42
